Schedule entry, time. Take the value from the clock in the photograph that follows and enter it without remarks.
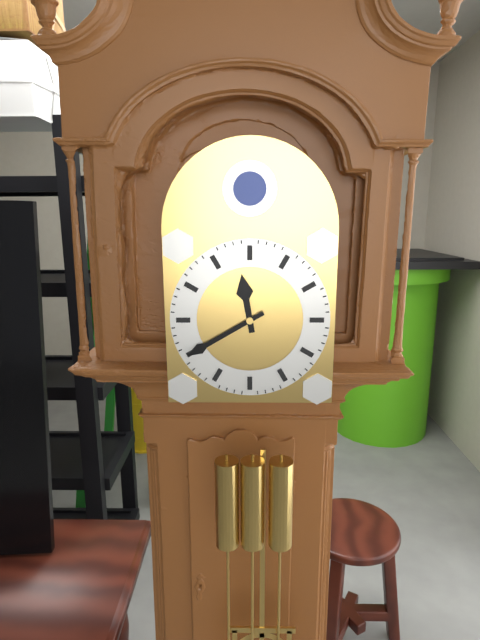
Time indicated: 11:40
